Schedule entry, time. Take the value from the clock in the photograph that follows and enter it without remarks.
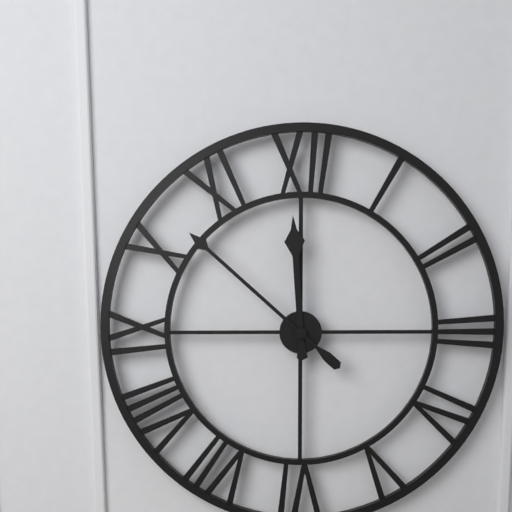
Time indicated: 11:52
